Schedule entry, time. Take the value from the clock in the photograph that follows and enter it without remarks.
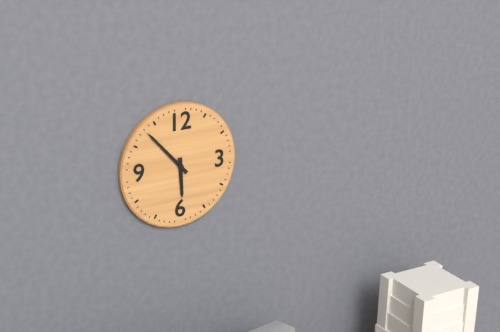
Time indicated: 5:53
